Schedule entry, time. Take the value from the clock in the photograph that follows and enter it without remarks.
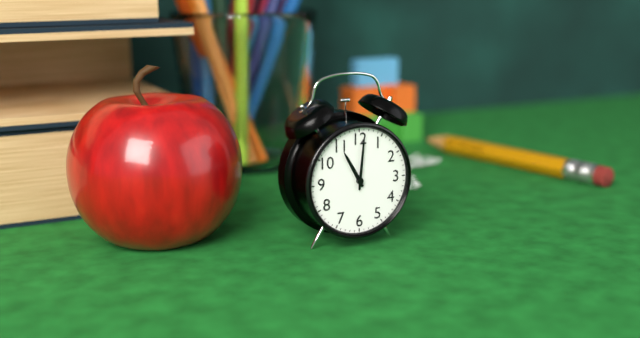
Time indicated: 11:01
